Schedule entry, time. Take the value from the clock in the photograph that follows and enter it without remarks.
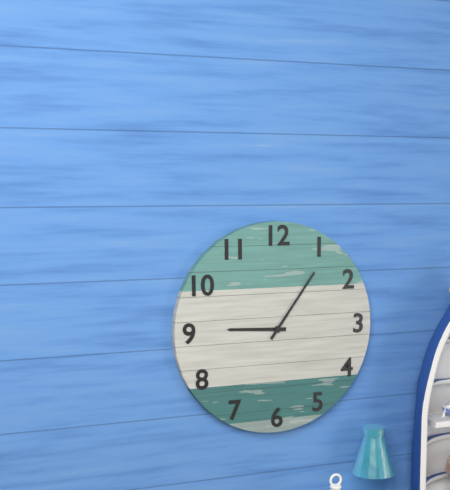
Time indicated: 9:06
